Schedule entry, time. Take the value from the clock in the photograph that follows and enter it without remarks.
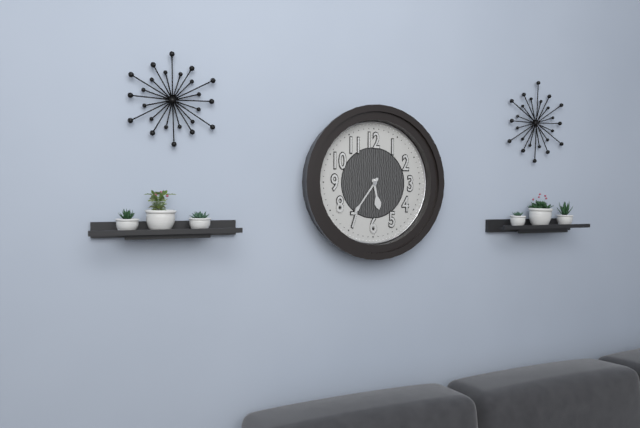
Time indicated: 5:36
